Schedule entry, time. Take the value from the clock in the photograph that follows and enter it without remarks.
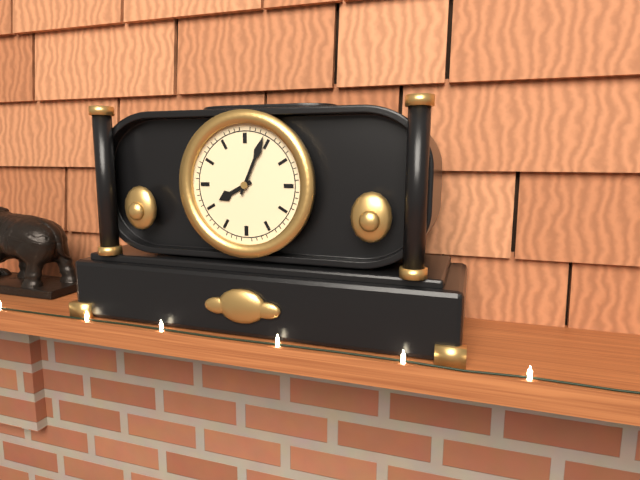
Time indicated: 8:04
